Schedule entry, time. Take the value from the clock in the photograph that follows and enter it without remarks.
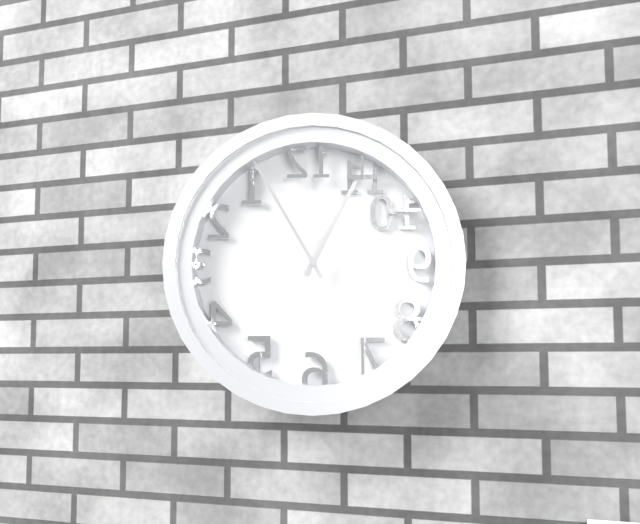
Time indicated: 12:55
